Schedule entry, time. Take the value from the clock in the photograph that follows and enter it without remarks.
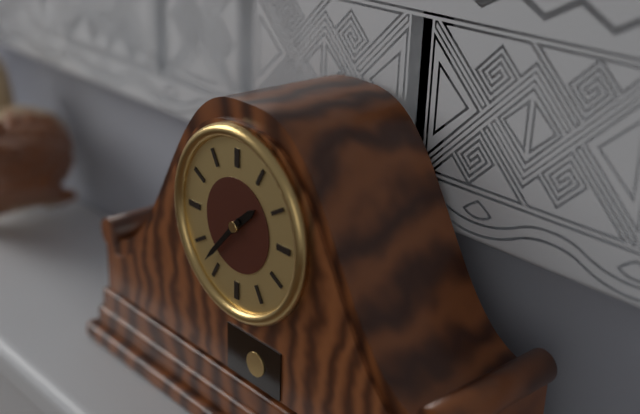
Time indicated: 1:37
